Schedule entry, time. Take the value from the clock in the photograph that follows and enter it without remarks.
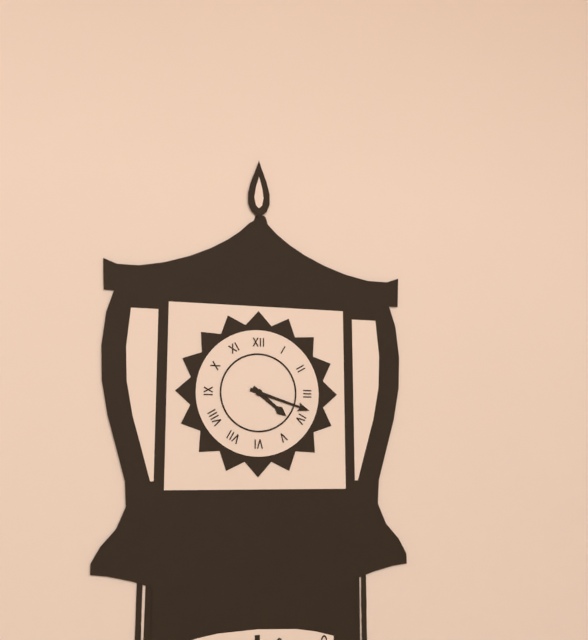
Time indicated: 4:18
